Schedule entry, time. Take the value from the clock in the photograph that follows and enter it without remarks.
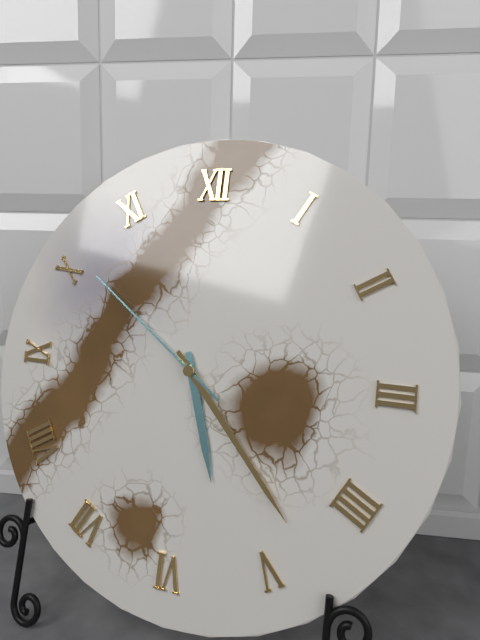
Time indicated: 5:23:51
